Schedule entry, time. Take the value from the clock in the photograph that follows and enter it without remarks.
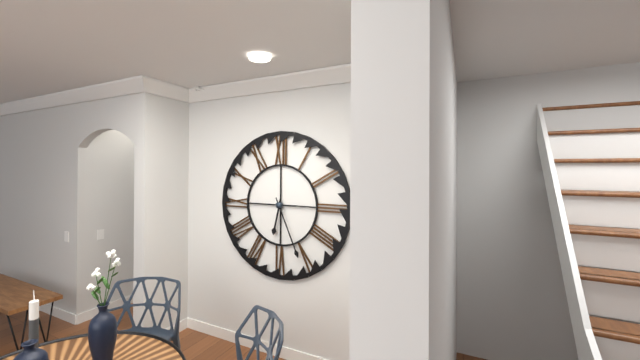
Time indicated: 6:26
